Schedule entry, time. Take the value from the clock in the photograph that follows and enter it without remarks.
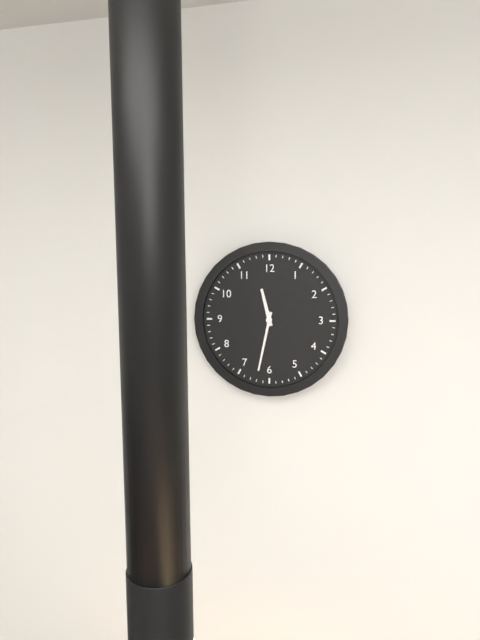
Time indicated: 11:32
